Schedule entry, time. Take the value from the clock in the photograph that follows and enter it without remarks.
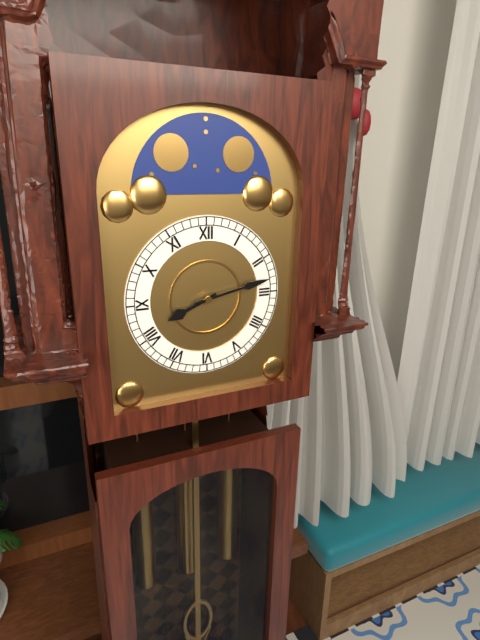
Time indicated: 8:13
